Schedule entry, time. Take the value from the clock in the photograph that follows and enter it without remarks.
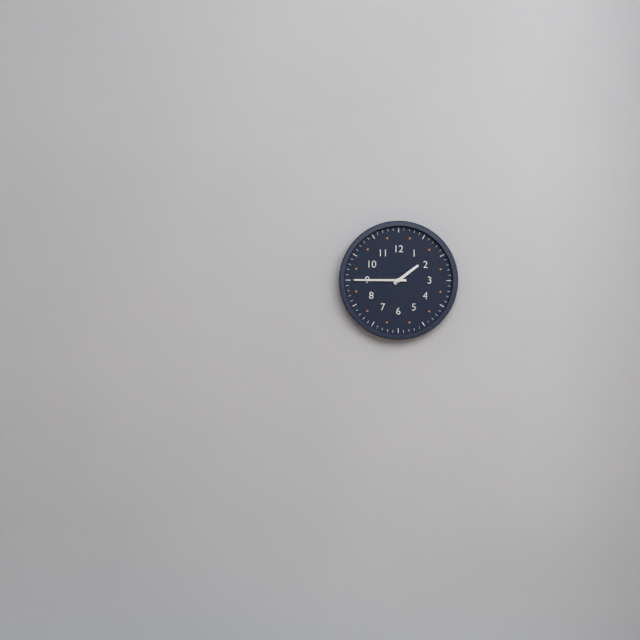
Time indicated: 1:45
